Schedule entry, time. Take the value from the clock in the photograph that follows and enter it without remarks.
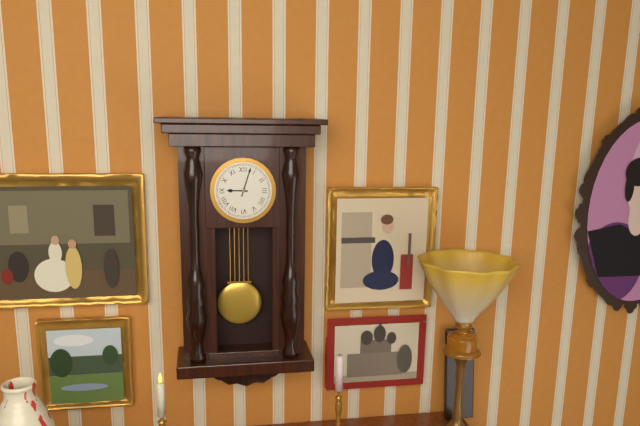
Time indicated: 9:03
